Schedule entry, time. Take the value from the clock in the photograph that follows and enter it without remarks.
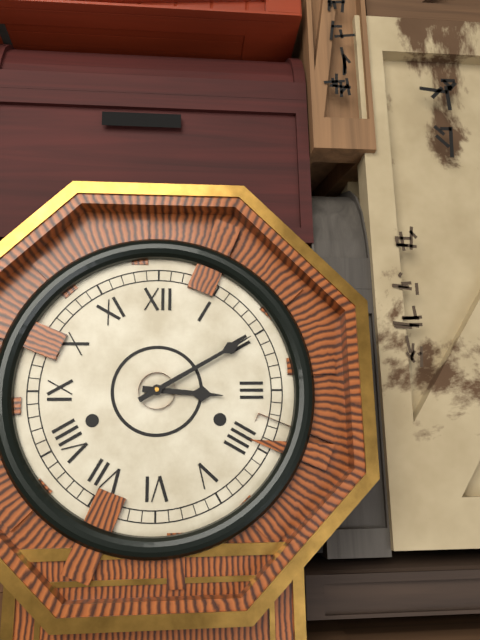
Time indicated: 3:10
